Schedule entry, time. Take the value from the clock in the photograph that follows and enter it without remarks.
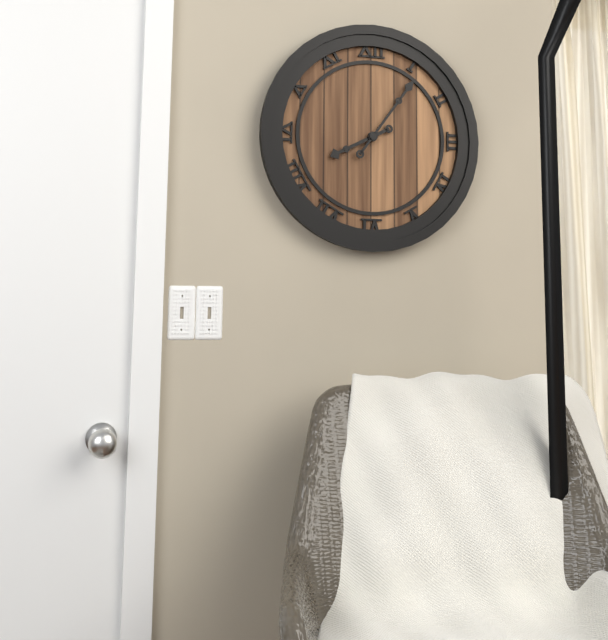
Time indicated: 8:06
